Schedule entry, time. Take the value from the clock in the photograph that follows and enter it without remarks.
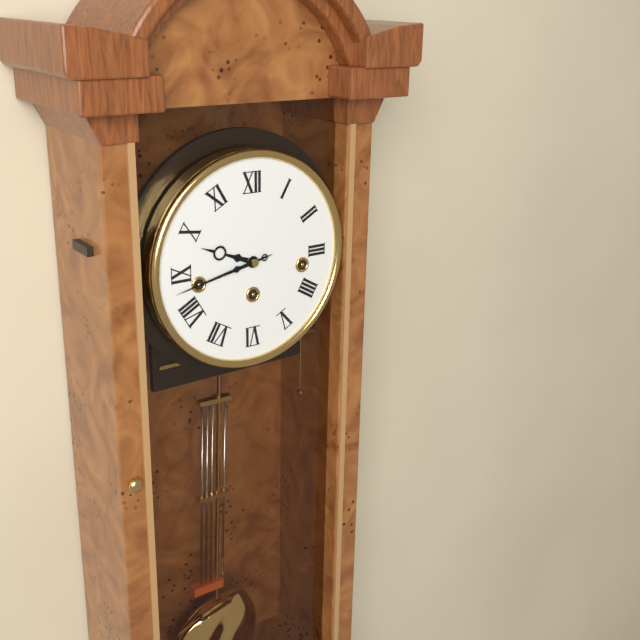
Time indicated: 9:43
